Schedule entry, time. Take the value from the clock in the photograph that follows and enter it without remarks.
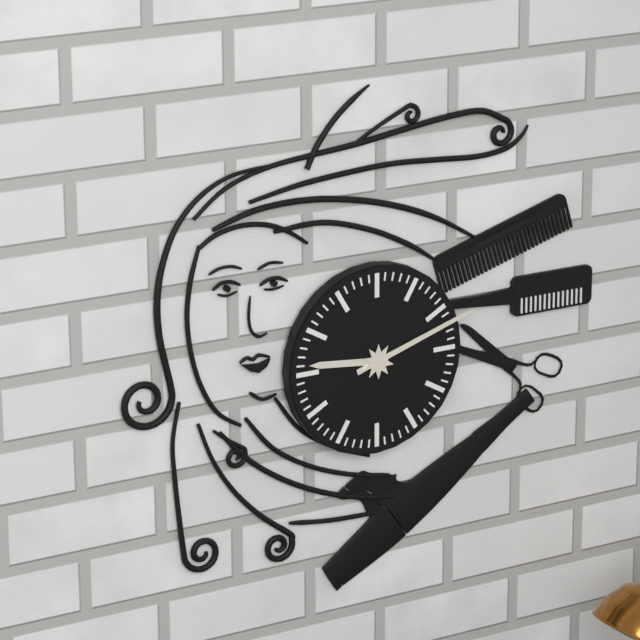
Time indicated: 9:12
